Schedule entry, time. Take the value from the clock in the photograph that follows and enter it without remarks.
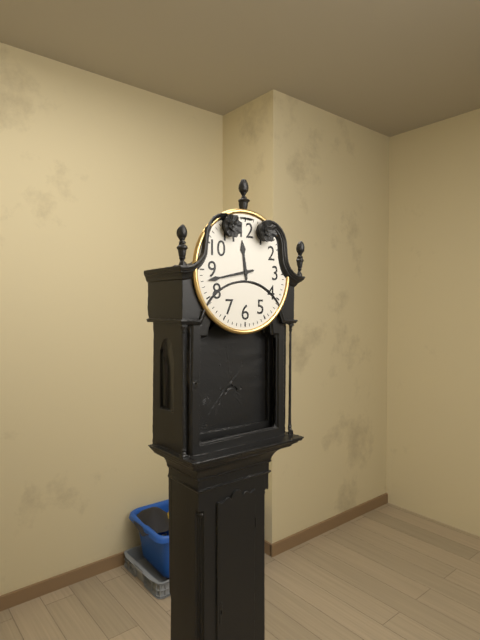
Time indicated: 11:43
